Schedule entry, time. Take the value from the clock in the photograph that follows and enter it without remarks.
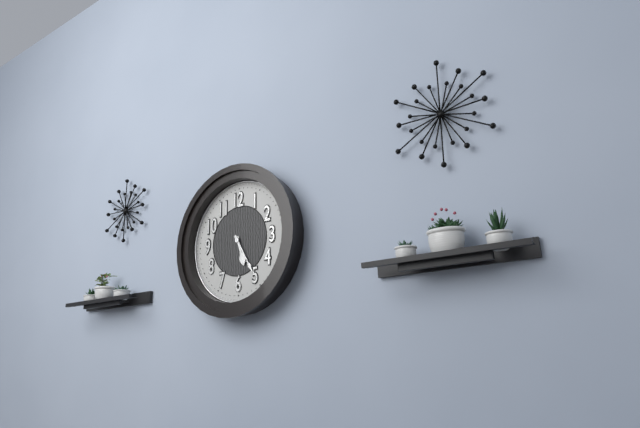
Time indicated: 5:25
